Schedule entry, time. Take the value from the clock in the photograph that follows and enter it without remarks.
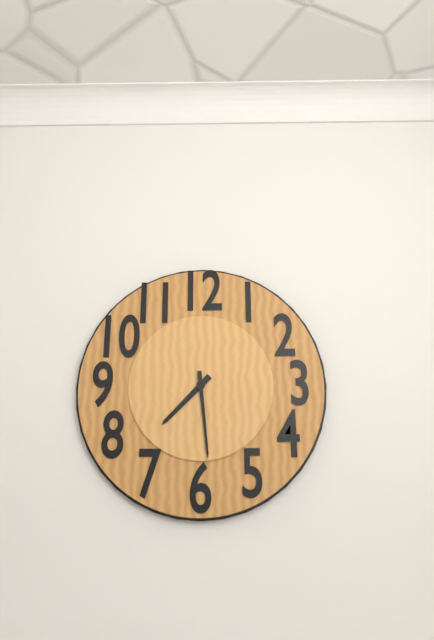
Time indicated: 7:29
